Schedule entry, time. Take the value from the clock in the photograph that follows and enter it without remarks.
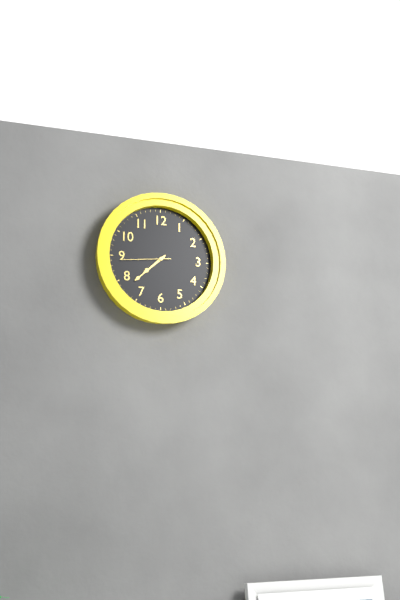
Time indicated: 7:38:44
